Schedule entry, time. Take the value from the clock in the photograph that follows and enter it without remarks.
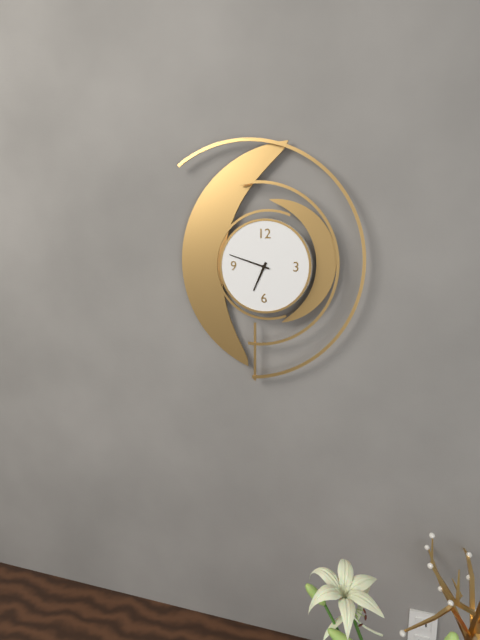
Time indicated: 6:48
